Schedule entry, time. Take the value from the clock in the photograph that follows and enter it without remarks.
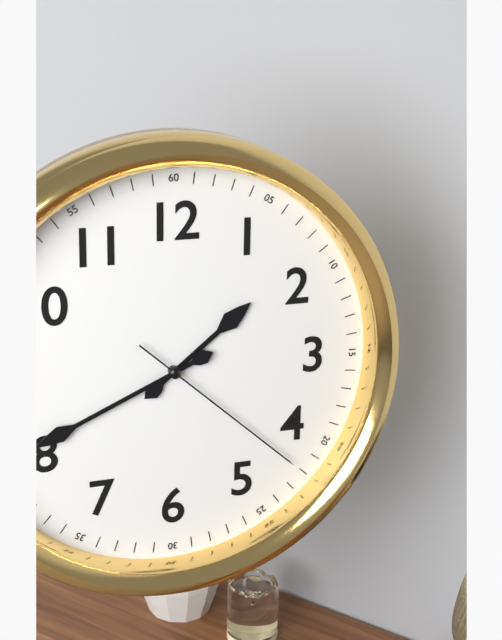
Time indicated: 1:41:22
